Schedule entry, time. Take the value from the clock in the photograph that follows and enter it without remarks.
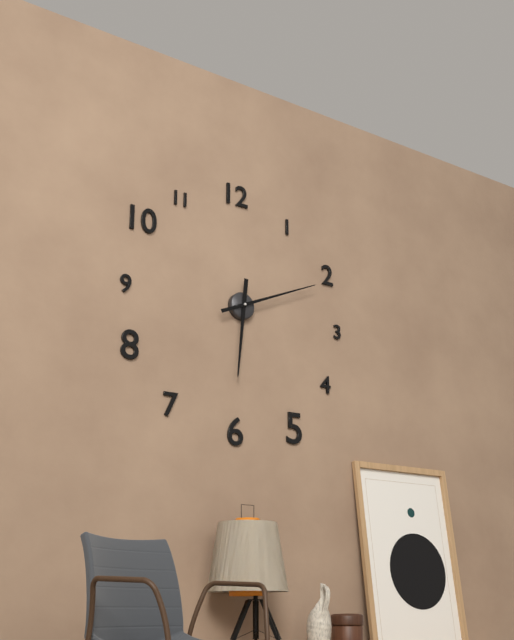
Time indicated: 6:11
